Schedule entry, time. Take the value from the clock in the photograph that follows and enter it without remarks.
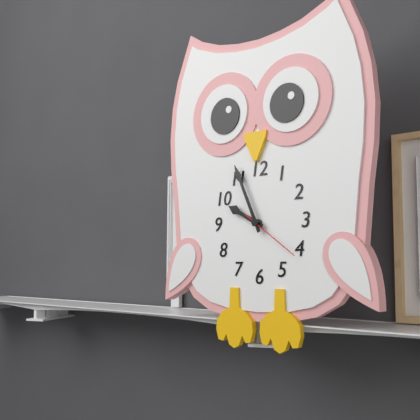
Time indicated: 9:56:21
